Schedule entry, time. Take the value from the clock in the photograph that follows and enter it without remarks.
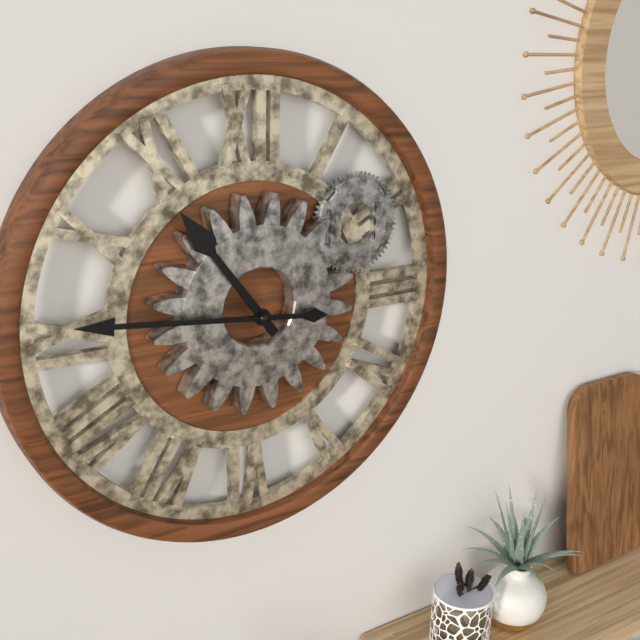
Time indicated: 10:46
